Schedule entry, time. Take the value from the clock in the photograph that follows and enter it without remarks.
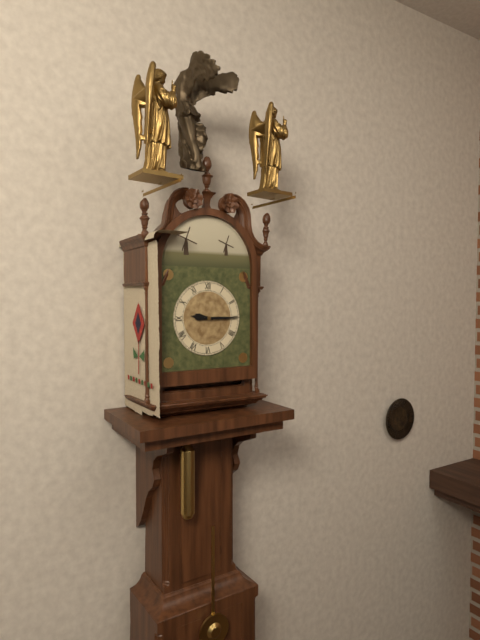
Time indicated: 9:15
